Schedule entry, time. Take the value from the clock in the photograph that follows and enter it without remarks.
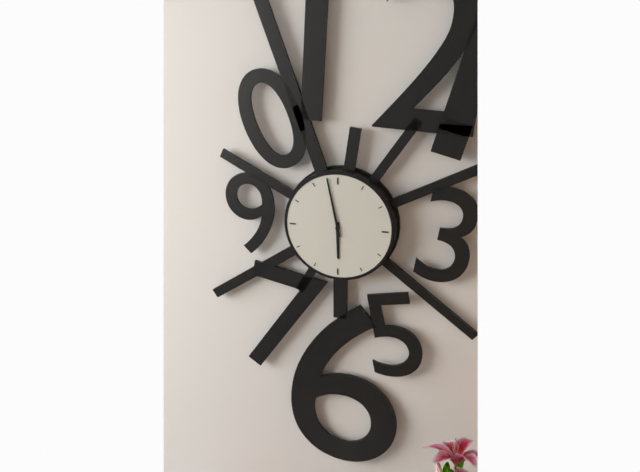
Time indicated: 5:58
